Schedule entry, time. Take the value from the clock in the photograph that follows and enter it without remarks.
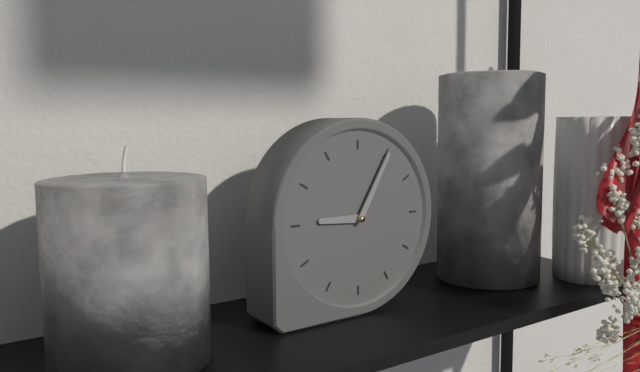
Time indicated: 9:05
